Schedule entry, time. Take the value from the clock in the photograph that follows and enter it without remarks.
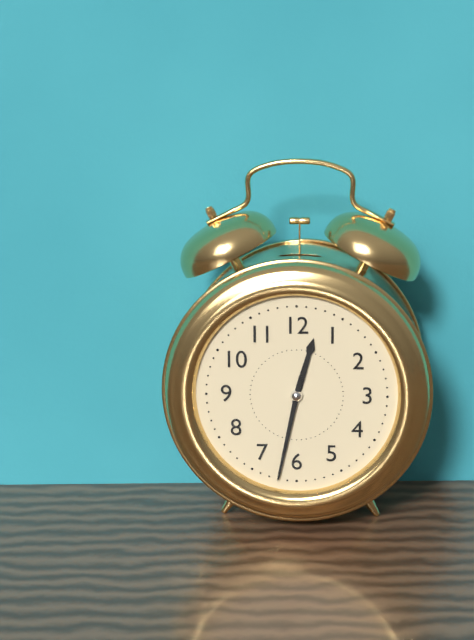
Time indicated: 12:32
